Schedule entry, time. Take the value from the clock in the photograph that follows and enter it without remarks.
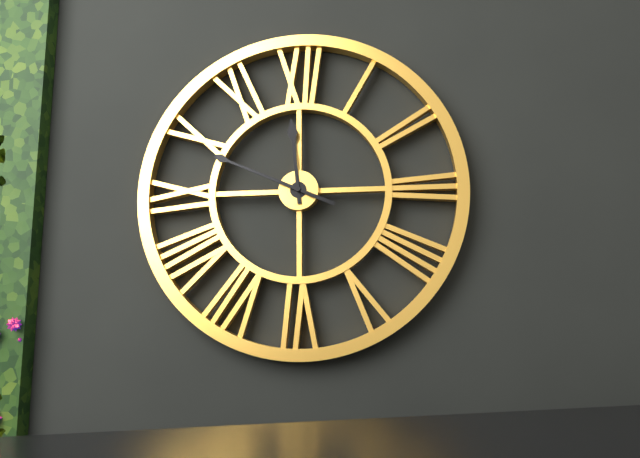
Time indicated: 11:49
